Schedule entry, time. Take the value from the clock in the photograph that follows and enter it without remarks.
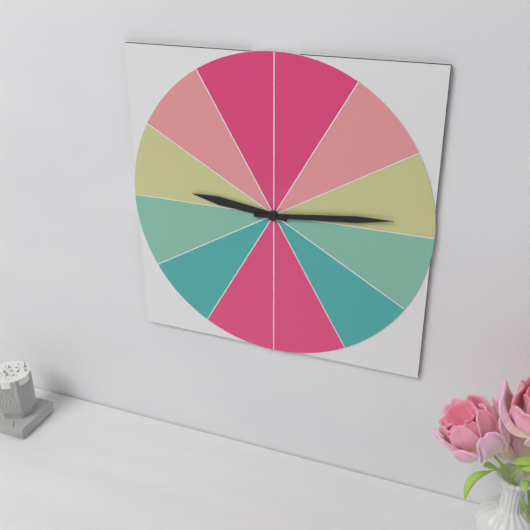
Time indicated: 9:14
